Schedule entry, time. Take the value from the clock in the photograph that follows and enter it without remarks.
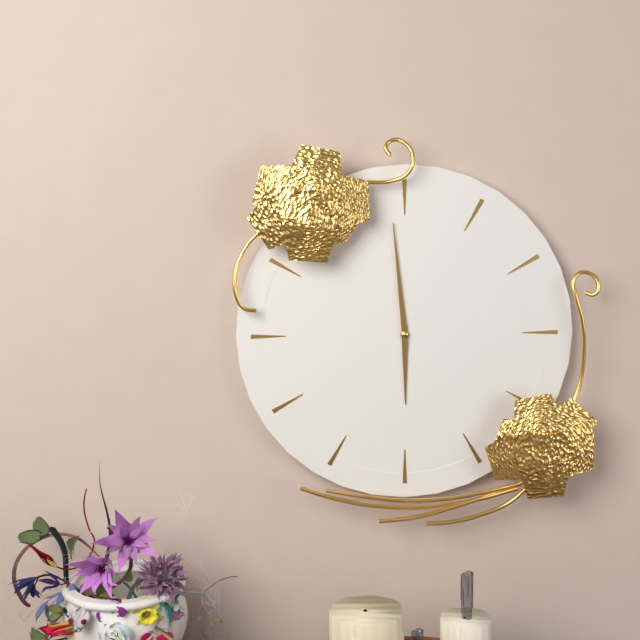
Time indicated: 5:59
